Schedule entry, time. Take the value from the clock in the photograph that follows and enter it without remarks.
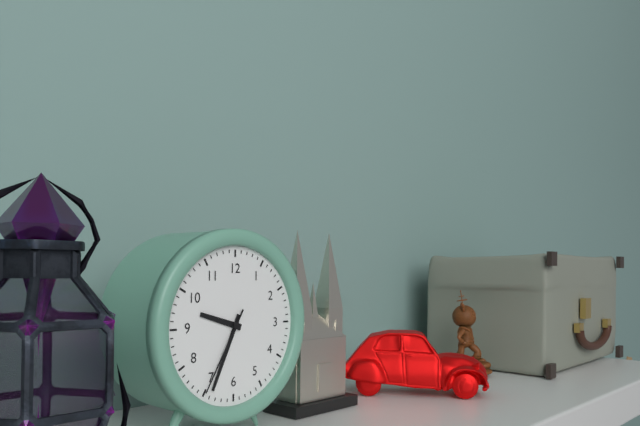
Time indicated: 9:34:35
